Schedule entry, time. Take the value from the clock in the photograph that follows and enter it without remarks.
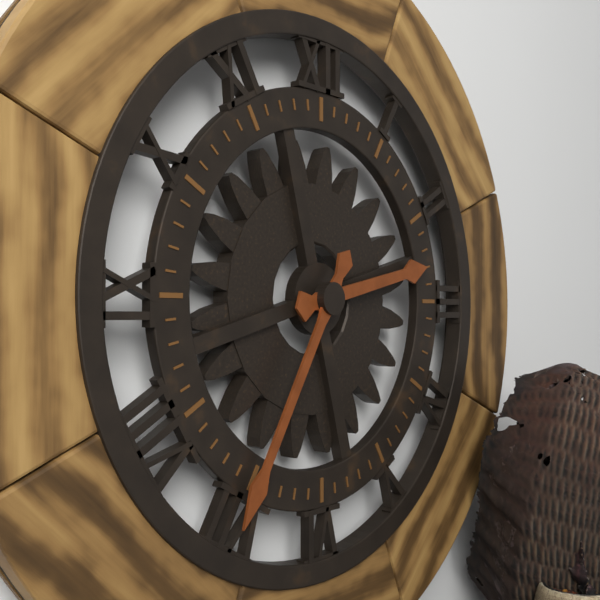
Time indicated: 2:35
